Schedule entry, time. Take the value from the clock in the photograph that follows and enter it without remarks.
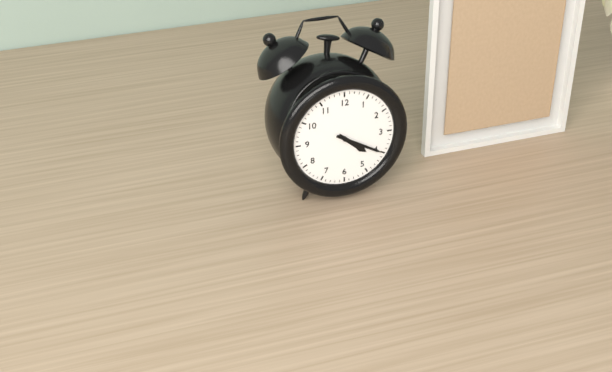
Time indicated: 4:20
